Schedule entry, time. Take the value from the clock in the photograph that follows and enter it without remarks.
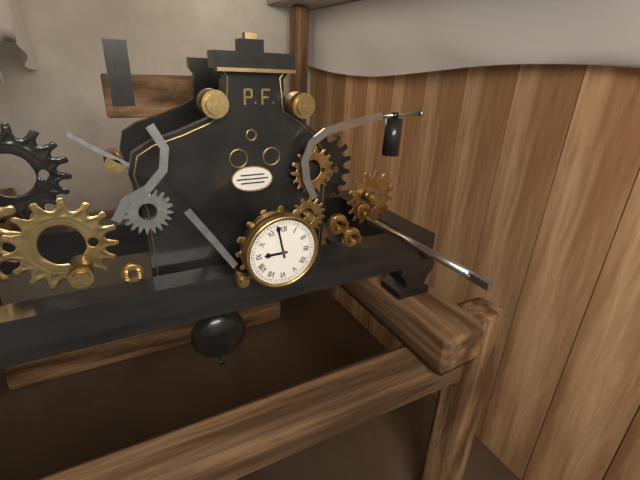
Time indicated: 8:58
